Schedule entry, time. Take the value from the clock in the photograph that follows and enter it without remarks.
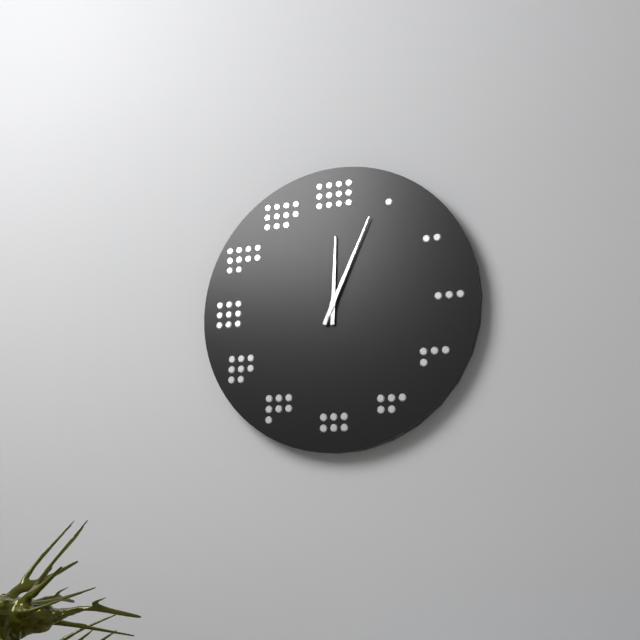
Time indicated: 12:04
